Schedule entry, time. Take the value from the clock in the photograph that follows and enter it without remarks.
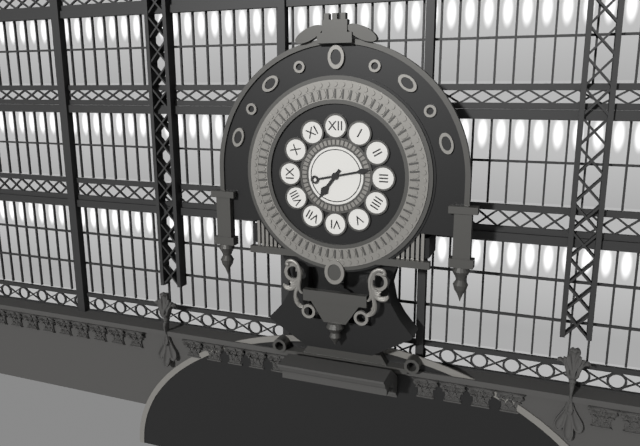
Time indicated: 7:13
